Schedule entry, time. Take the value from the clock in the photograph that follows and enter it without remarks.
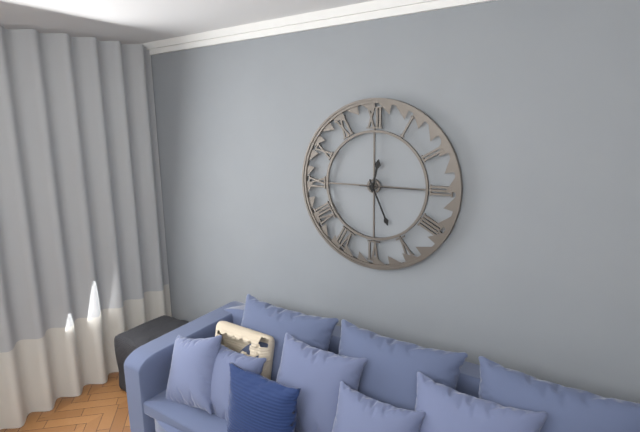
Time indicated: 12:26:15
